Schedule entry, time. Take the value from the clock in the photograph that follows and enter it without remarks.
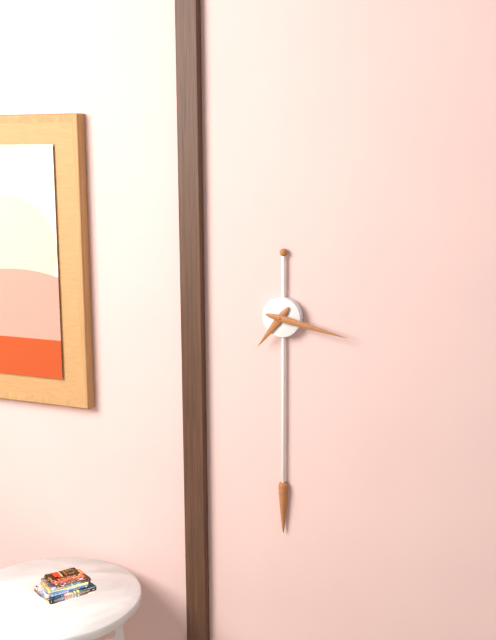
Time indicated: 7:17
